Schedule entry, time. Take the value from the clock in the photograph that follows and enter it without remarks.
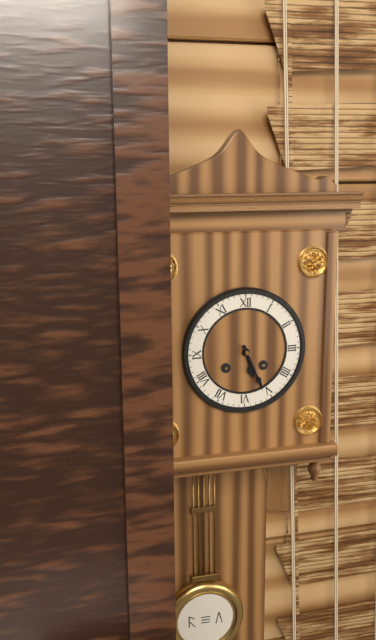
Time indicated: 5:26
